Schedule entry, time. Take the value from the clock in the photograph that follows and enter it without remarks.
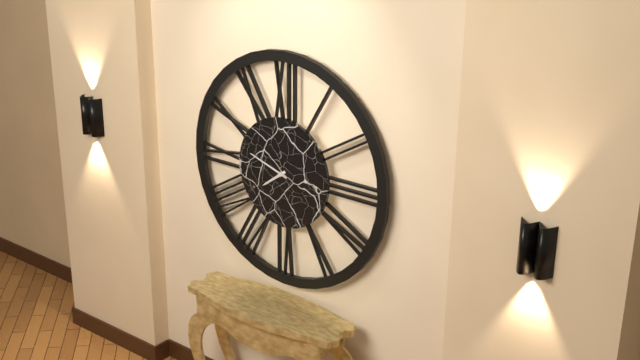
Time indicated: 7:48
